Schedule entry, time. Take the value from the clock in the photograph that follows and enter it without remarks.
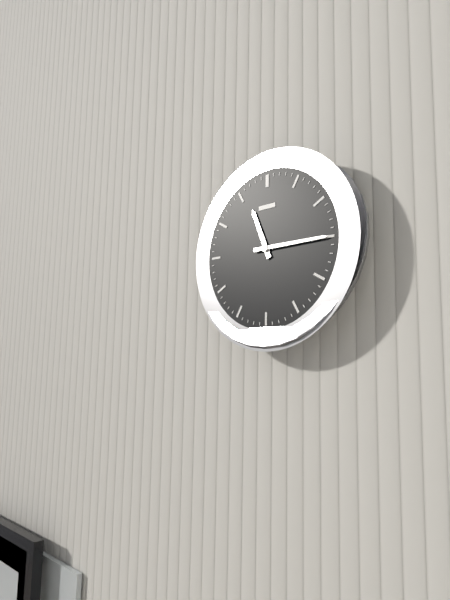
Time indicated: 11:15
